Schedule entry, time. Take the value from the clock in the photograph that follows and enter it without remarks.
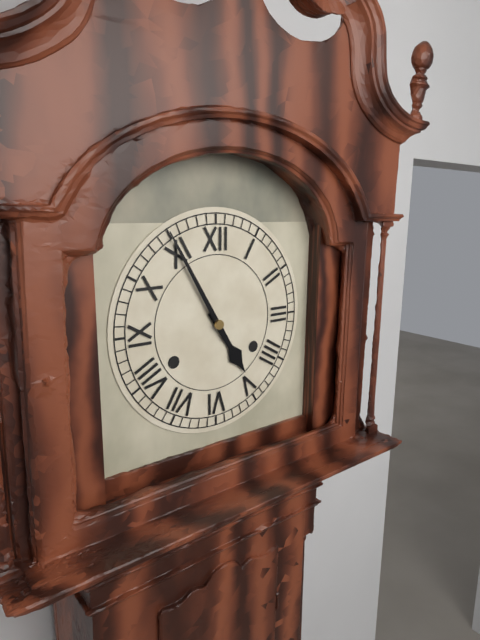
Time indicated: 4:55
